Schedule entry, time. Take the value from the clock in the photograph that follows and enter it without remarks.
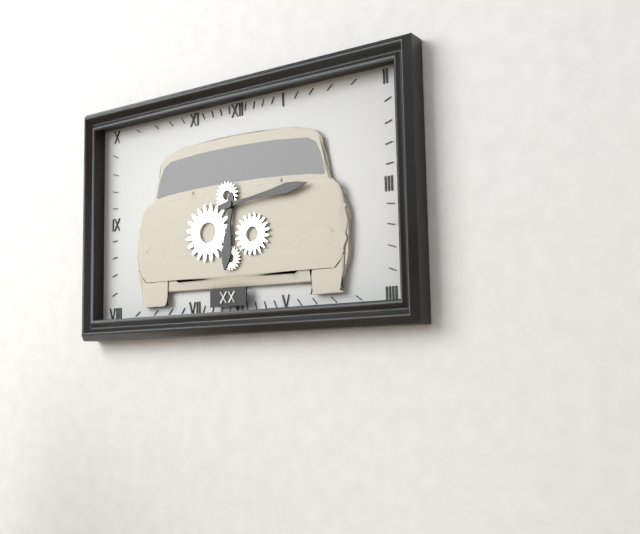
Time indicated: 6:14
